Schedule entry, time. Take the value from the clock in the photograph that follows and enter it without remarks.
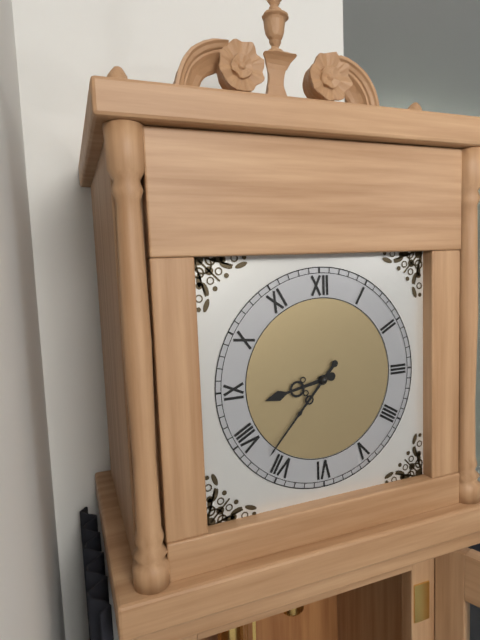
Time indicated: 8:37
